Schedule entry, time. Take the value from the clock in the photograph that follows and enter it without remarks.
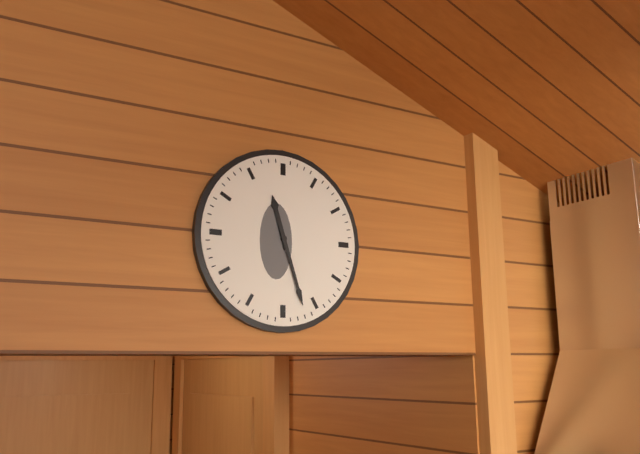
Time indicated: 11:27
